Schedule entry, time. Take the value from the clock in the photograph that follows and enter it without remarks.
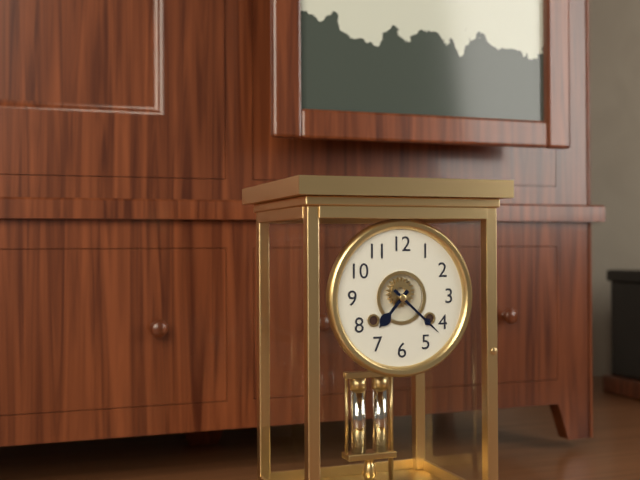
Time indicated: 7:22
